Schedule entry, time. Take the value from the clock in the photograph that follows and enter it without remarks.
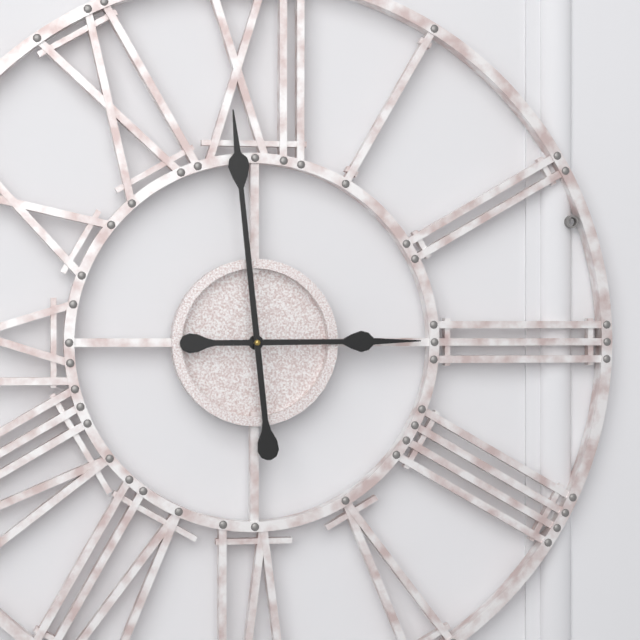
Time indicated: 2:59
